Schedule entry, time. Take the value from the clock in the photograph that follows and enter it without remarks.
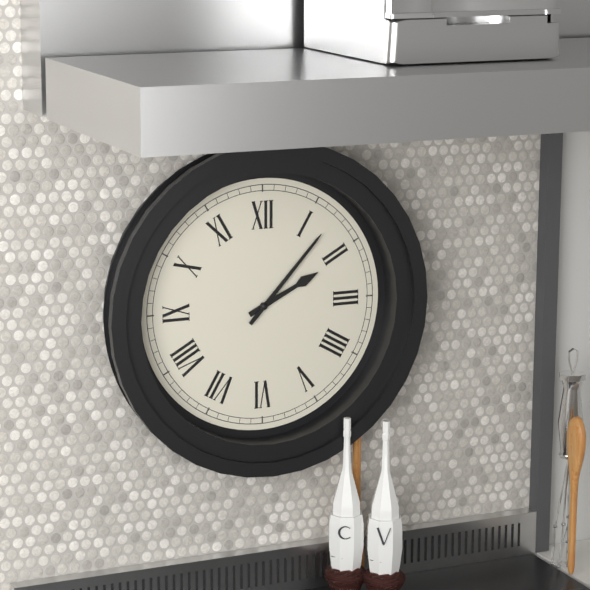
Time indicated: 2:07
